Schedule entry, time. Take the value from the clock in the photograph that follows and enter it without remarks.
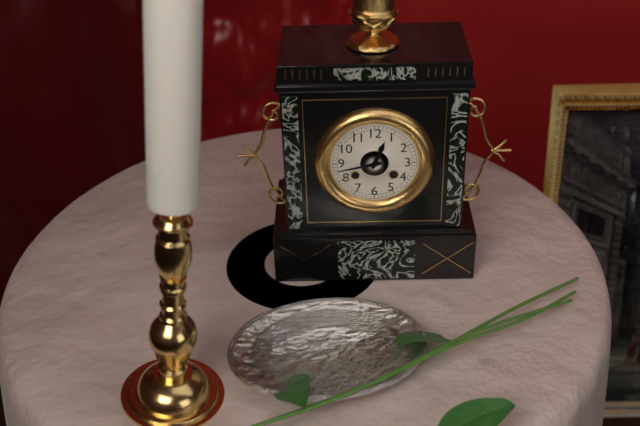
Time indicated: 12:43
